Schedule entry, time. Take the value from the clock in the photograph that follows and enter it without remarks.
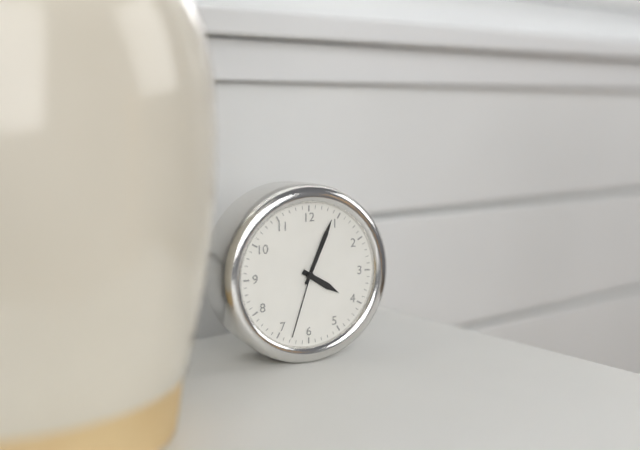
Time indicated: 4:04:33
